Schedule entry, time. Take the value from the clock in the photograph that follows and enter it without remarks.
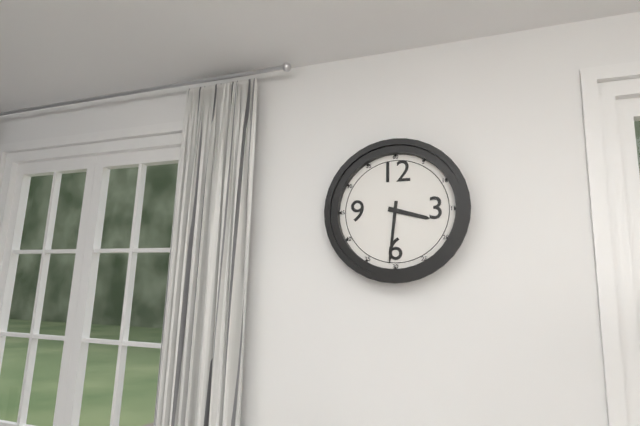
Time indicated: 3:31
